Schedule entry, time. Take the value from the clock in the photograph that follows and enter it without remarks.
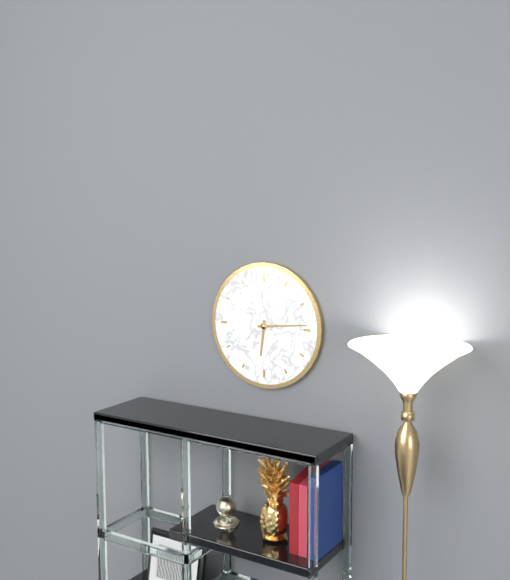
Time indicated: 6:14
